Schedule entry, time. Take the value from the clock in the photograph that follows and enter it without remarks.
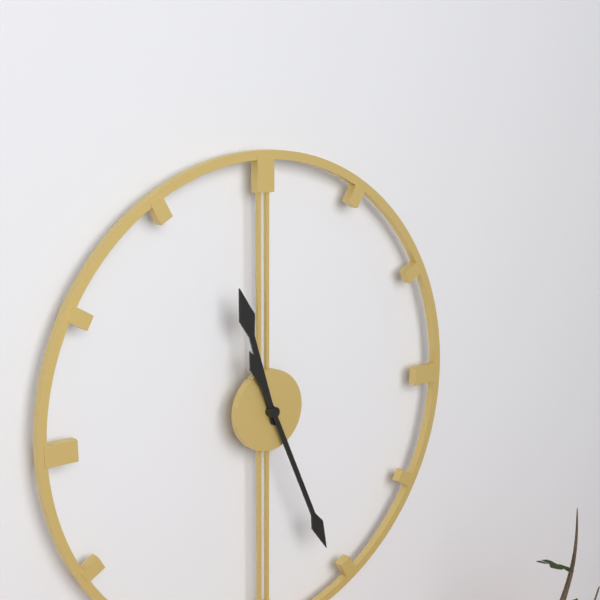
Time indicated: 11:26
